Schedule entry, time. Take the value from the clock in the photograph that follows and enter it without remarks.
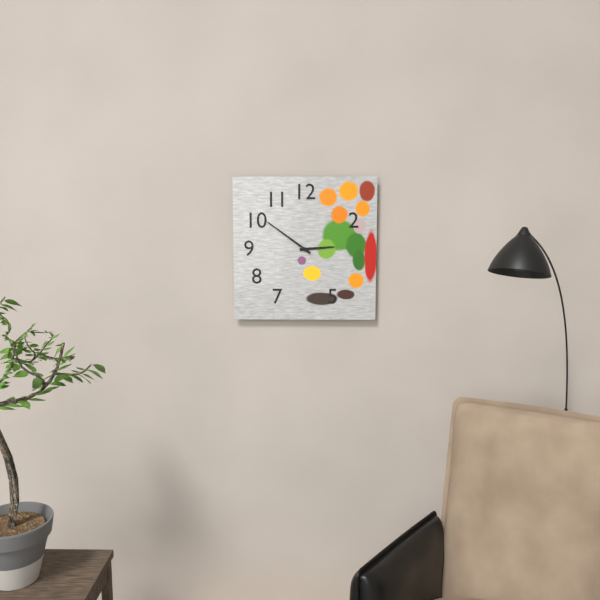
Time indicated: 2:51
